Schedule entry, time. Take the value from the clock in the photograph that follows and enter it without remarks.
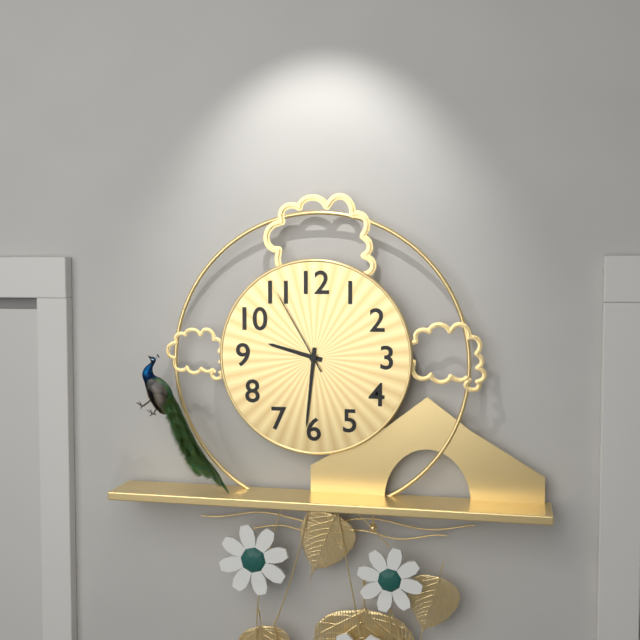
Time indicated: 9:31:55
